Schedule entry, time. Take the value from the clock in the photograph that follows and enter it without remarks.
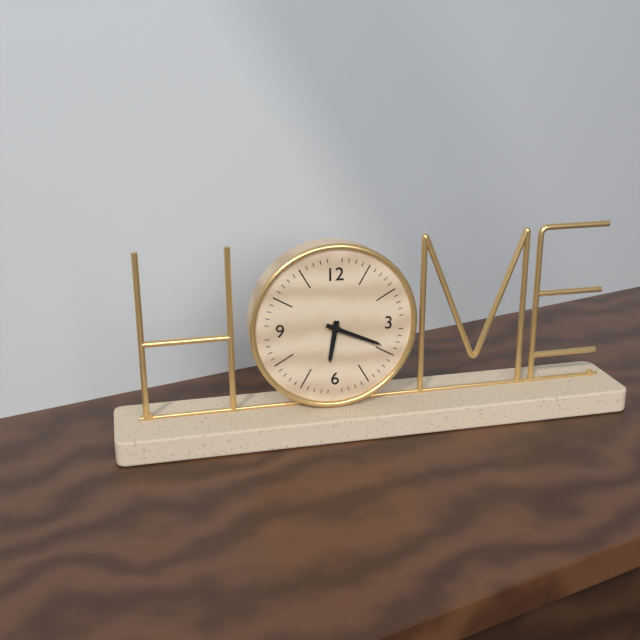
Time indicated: 6:19
